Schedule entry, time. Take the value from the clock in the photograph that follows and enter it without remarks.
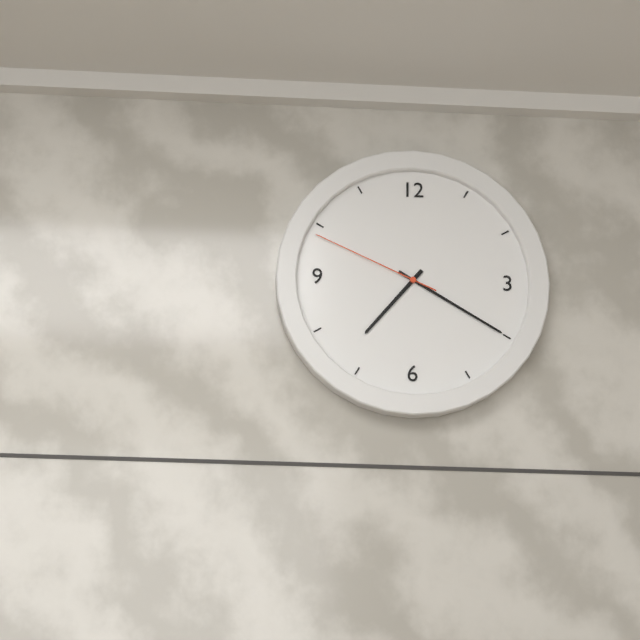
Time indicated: 7:20:49
